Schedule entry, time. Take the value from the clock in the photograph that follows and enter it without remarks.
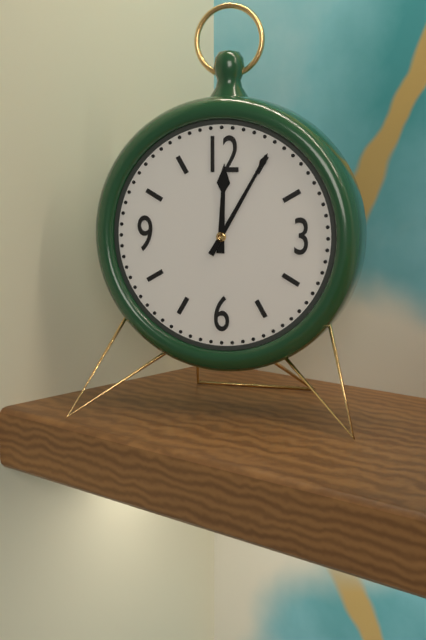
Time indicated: 12:05
